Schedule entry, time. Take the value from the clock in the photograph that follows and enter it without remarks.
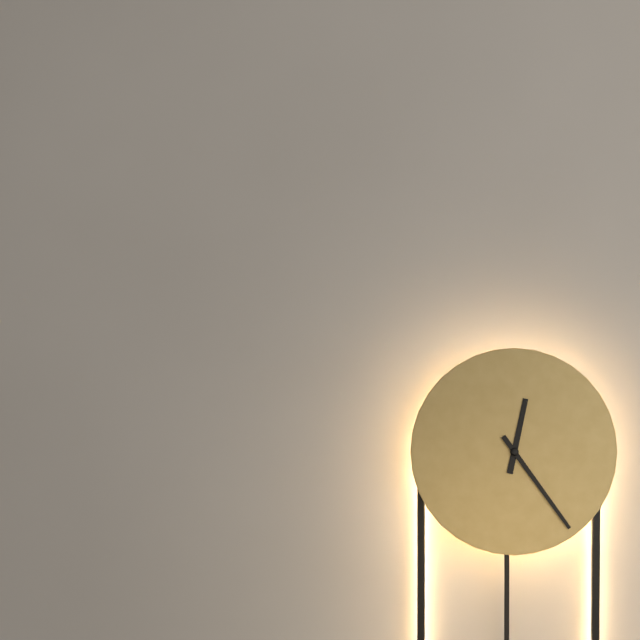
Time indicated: 12:24
